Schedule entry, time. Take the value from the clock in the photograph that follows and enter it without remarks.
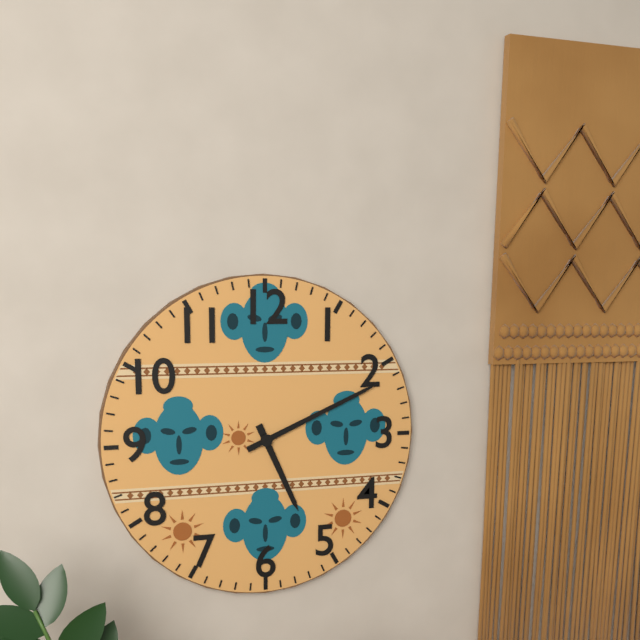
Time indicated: 5:11
